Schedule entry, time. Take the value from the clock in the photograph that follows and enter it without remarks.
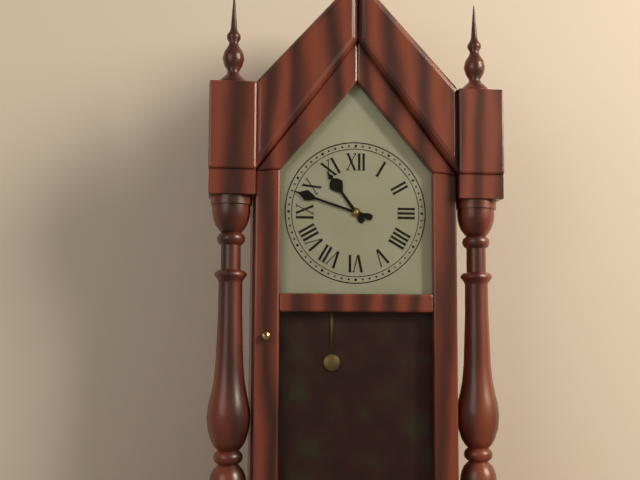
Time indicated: 10:48
